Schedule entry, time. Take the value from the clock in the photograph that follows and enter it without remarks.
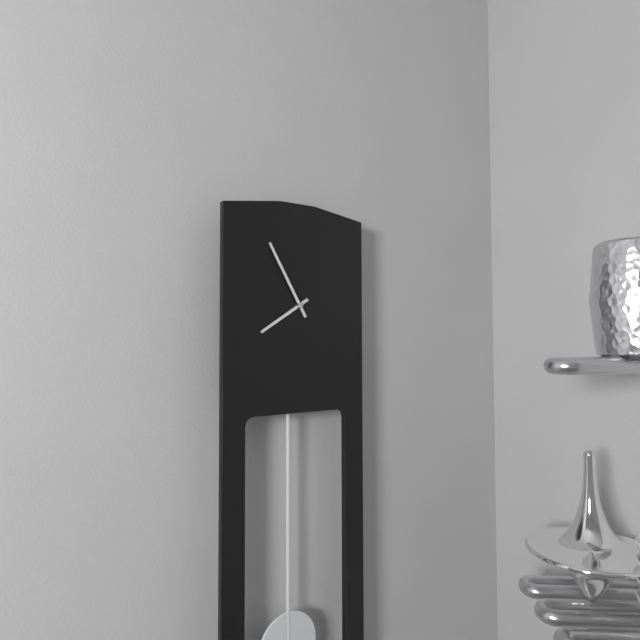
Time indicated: 7:55
